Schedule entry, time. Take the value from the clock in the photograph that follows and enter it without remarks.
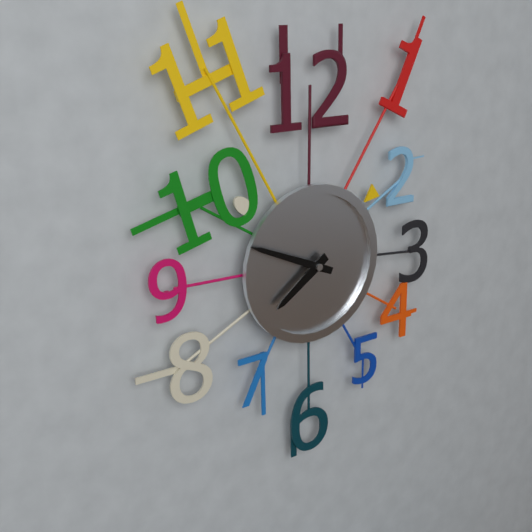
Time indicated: 7:49
